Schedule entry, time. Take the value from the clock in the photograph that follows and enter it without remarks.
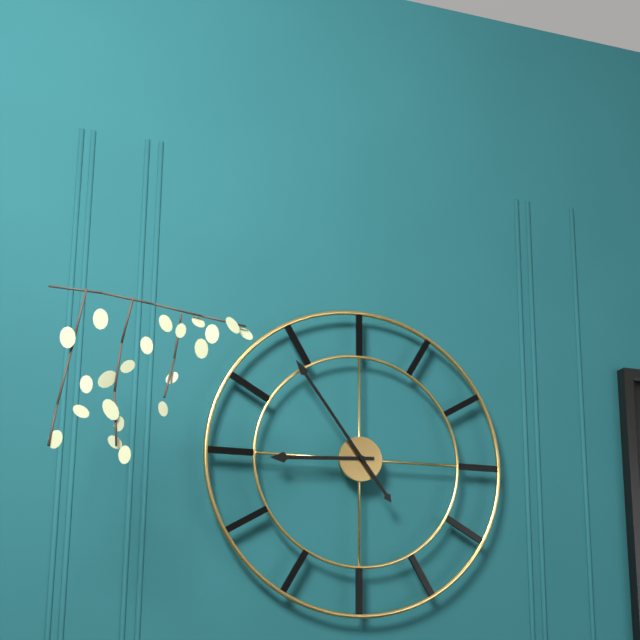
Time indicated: 8:54
